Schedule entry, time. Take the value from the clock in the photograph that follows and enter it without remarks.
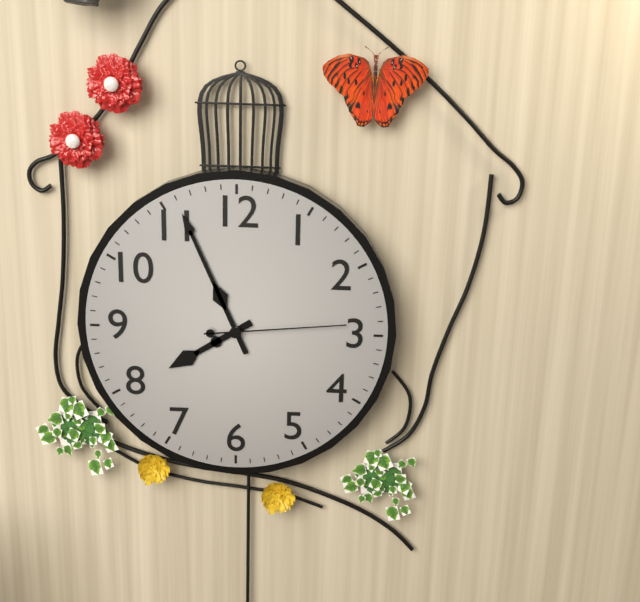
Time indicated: 7:56:14
